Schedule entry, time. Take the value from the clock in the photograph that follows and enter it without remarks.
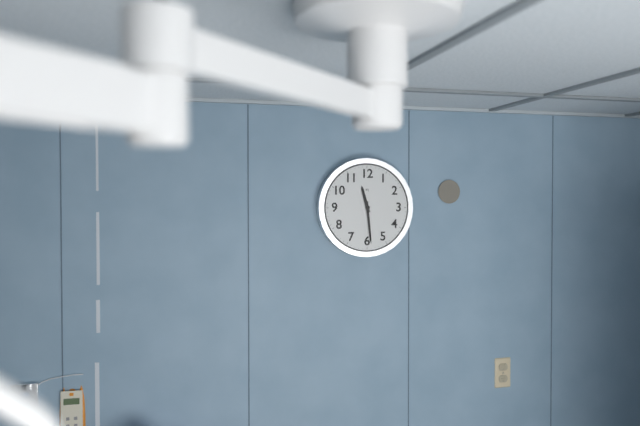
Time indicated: 11:29
